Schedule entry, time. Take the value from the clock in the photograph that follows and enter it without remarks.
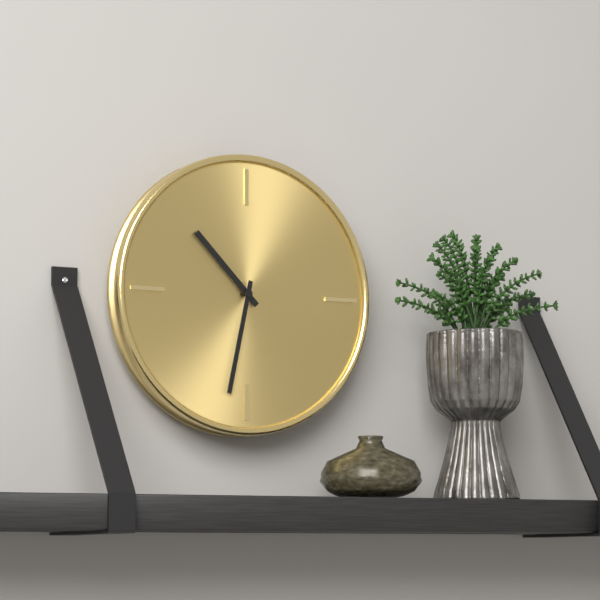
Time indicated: 10:32
